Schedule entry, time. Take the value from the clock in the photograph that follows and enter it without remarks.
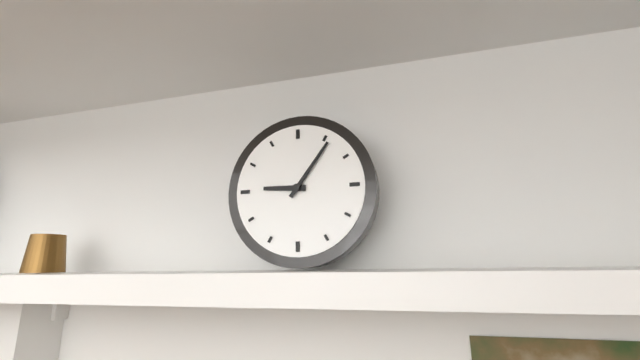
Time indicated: 9:06
